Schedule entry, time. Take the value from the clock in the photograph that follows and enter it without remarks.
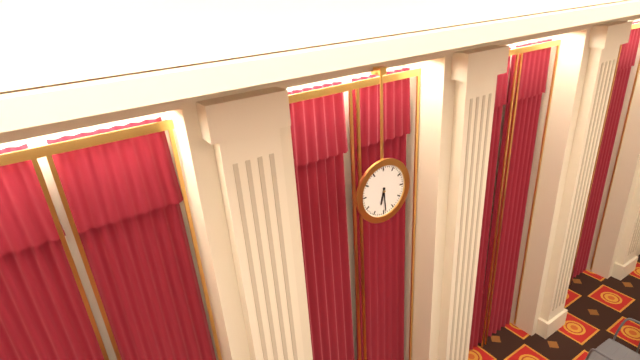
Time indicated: 6:29
